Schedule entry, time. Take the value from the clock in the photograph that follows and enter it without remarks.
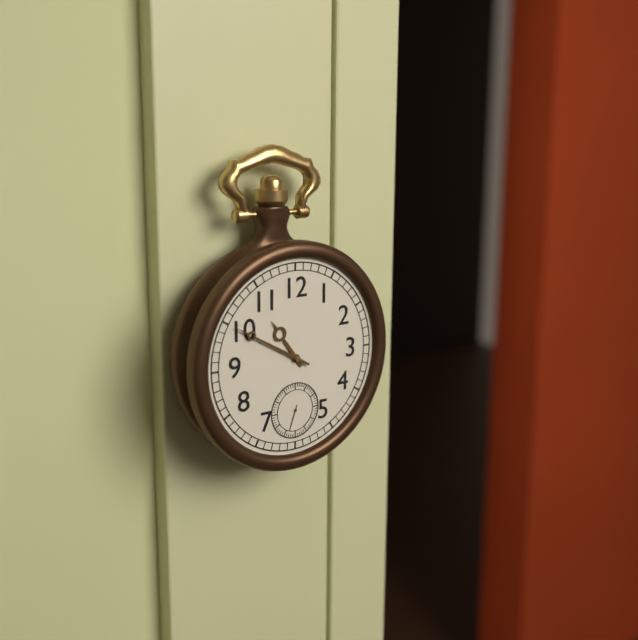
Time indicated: 10:50
